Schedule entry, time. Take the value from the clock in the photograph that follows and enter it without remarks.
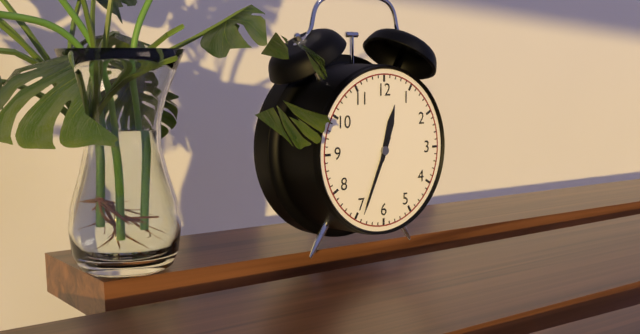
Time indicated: 12:34
